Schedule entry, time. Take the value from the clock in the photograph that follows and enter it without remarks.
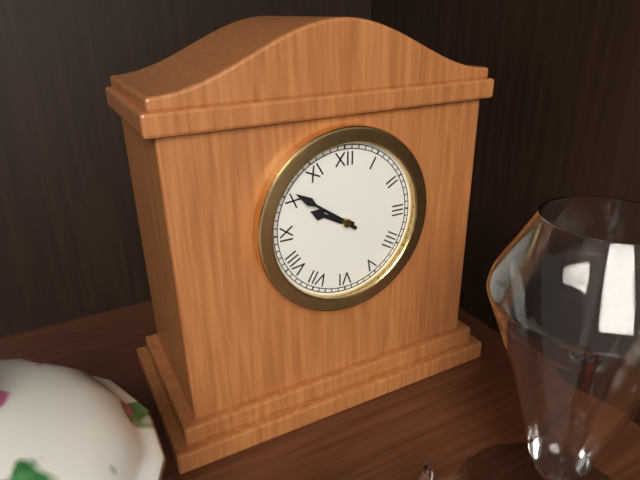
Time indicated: 9:51
